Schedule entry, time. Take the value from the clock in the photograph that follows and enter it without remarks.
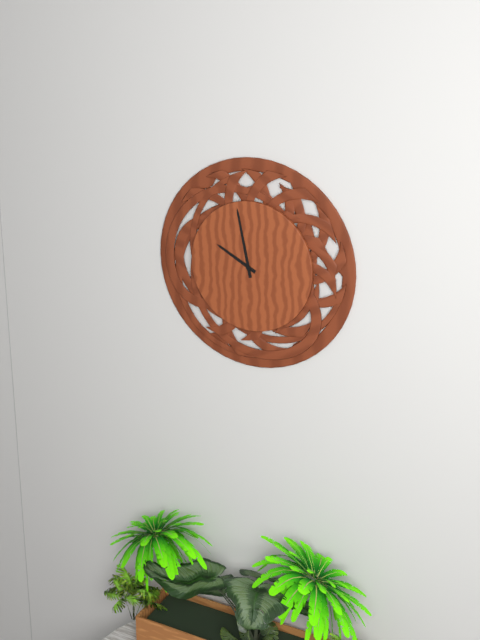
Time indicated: 9:58
